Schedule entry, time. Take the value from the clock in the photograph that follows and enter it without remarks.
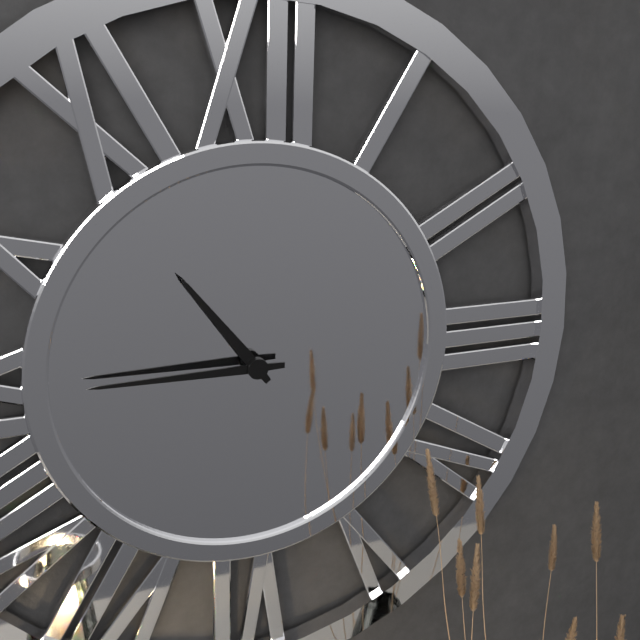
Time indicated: 10:45
